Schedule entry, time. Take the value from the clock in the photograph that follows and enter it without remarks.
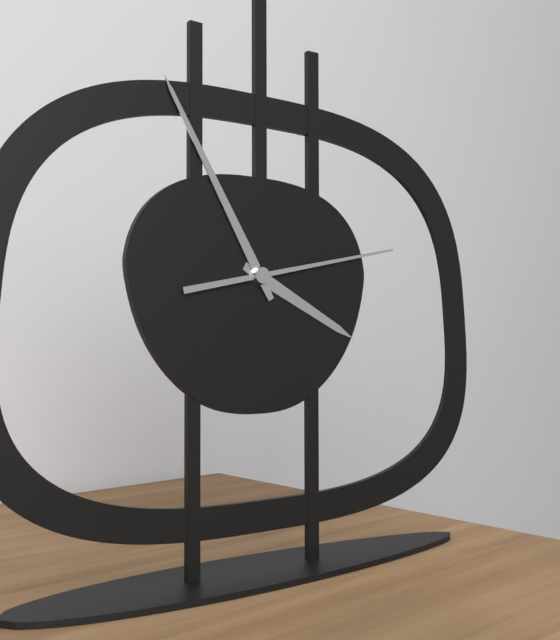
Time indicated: 3:55:13
